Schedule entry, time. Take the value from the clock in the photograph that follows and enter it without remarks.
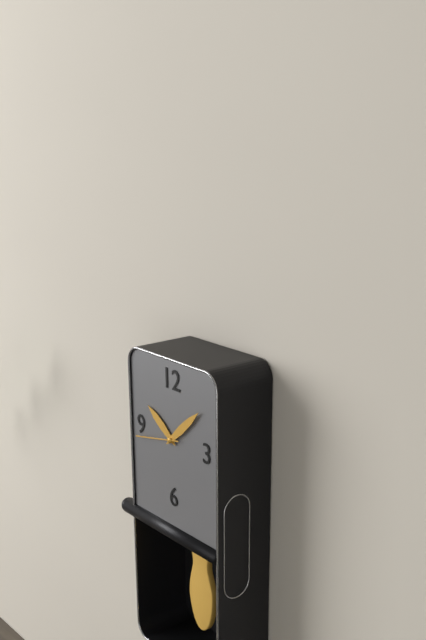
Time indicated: 10:08:43
